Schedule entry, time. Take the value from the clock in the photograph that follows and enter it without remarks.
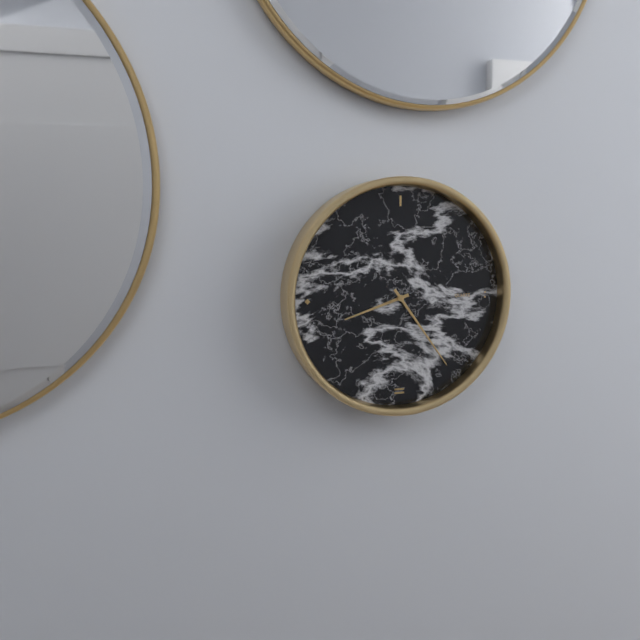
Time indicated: 8:24
